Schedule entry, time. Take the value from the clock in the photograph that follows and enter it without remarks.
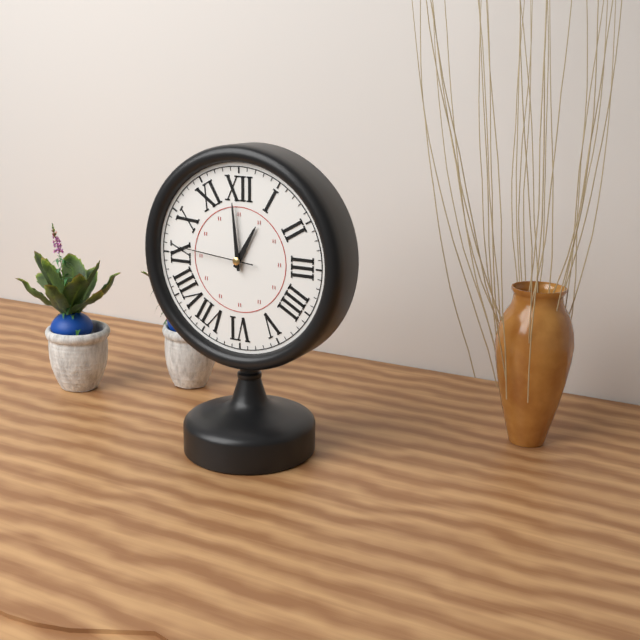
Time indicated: 12:59:46
